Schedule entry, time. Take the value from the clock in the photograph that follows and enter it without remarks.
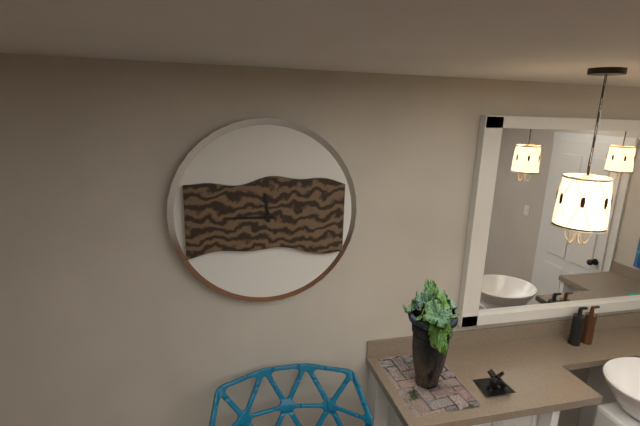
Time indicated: 11:45
